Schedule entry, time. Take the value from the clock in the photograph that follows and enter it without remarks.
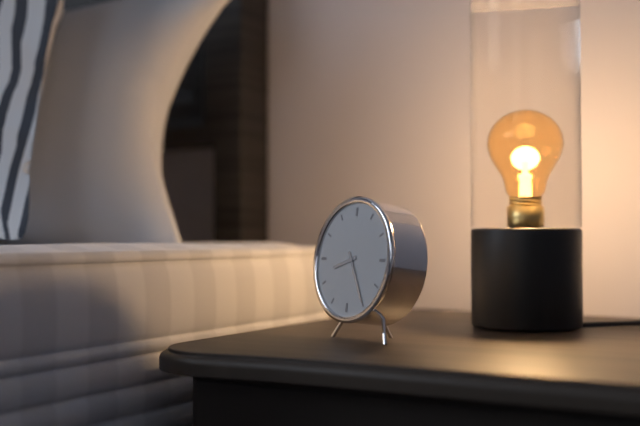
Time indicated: 8:25
